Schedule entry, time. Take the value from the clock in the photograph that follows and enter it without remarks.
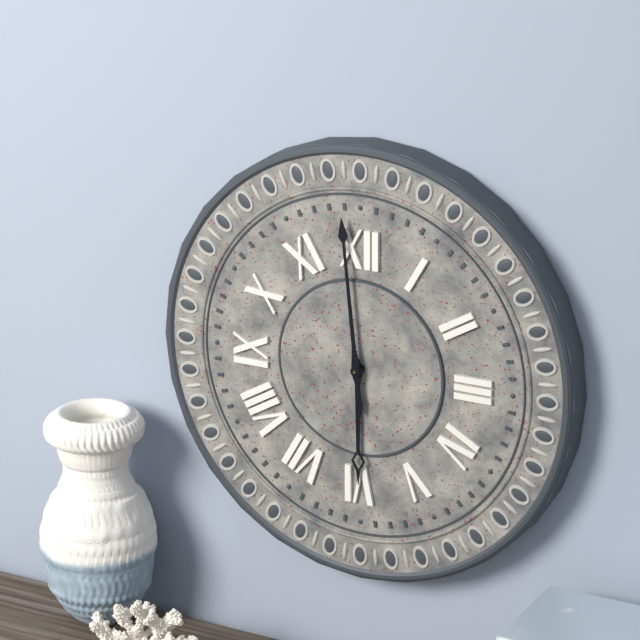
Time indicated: 5:59
